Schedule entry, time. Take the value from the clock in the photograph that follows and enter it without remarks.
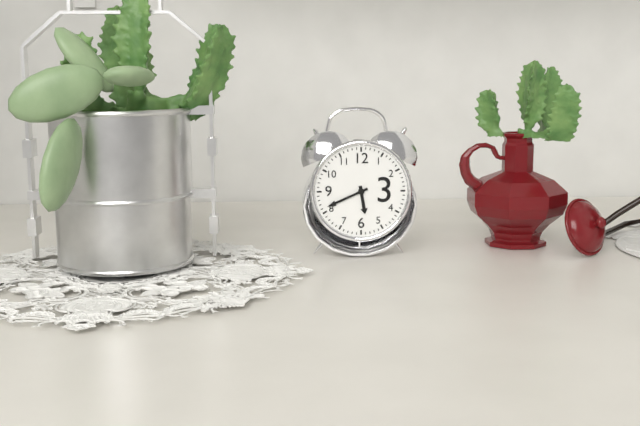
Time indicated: 5:41
